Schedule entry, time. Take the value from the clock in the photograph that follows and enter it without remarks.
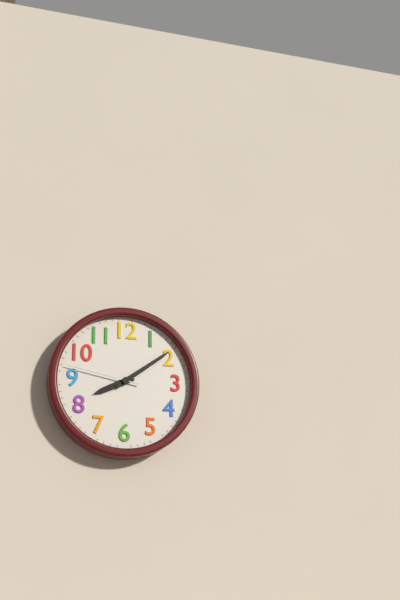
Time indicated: 8:09:47
